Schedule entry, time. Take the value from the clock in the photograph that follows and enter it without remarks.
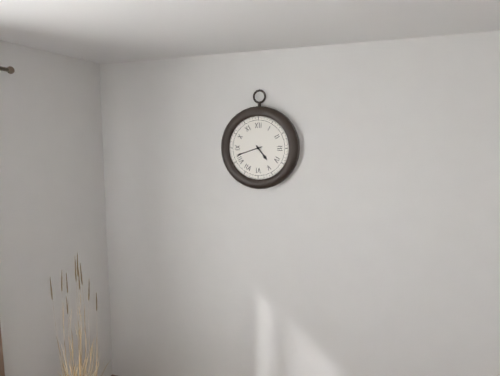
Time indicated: 4:42
